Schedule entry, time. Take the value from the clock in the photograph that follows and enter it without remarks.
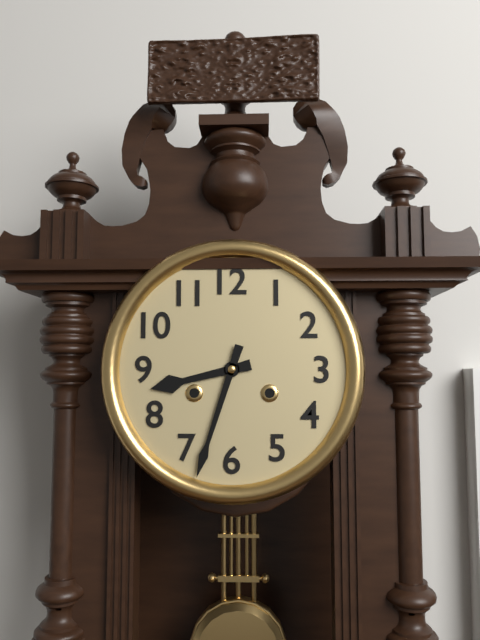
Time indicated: 8:33
